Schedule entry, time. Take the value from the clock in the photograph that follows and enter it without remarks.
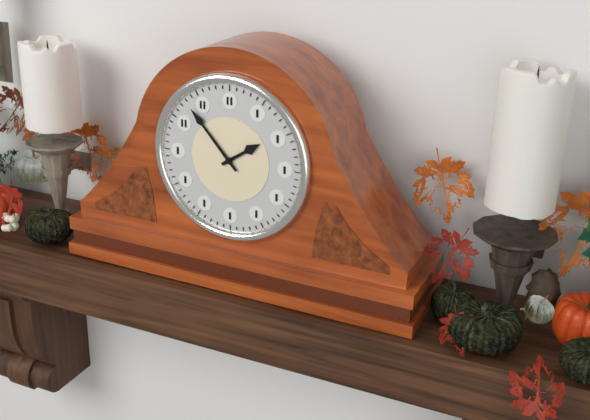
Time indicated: 1:53
